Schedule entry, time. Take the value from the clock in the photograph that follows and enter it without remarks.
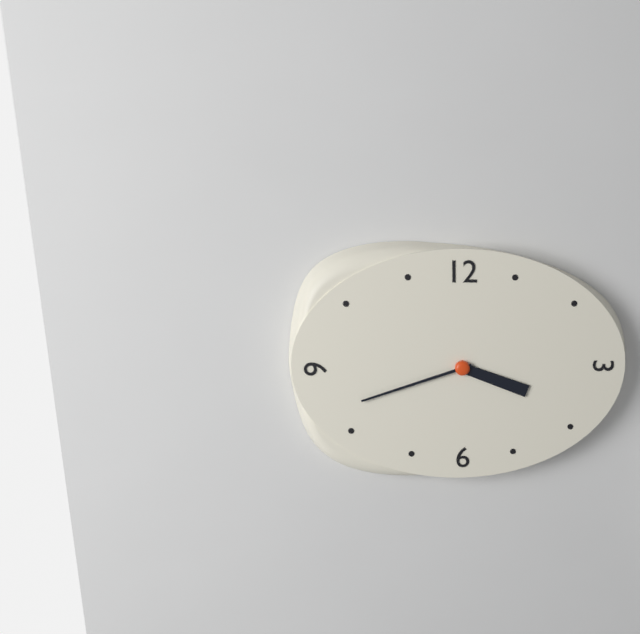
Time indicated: 3:42
